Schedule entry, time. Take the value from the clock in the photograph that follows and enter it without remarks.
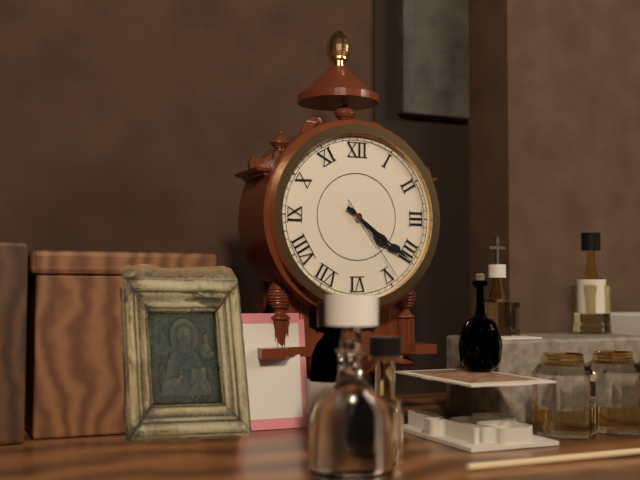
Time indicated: 4:21:24
